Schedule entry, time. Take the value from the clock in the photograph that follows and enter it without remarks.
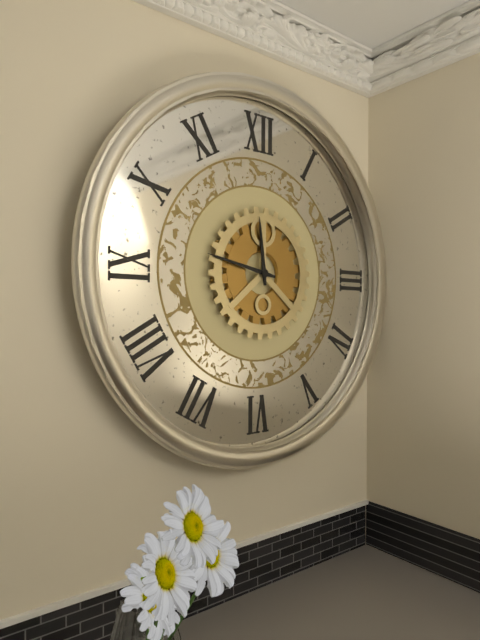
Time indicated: 11:47
